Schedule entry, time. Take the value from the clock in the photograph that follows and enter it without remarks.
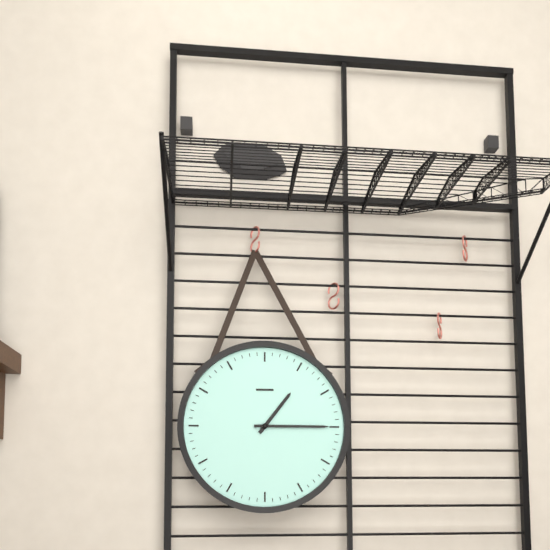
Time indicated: 1:15
